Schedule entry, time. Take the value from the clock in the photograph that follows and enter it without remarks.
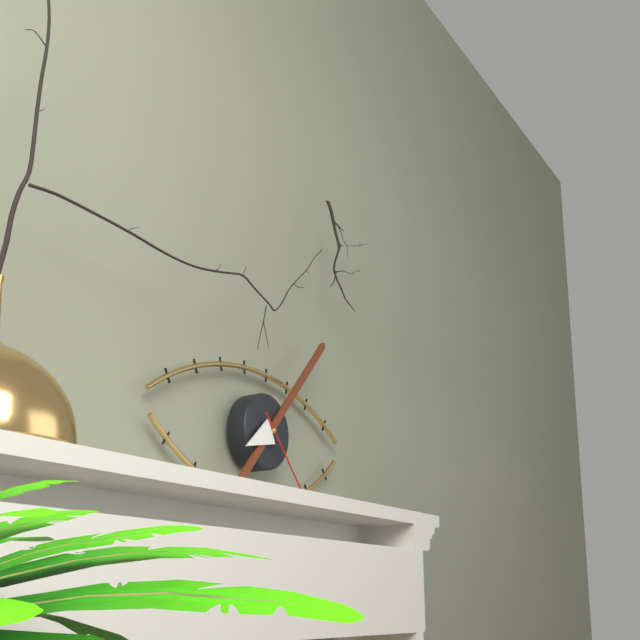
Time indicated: 8:07
